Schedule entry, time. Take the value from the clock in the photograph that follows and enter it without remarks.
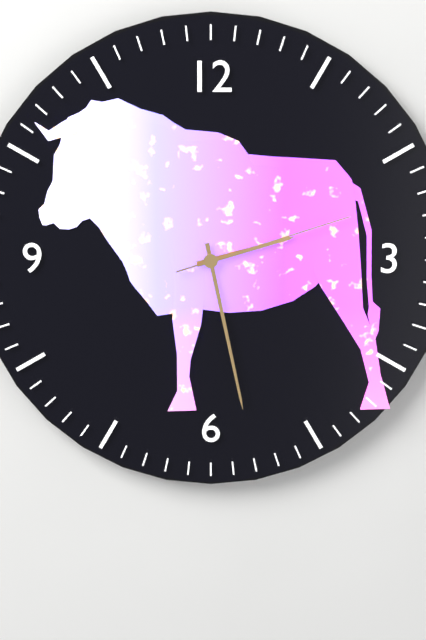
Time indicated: 2:28:12
